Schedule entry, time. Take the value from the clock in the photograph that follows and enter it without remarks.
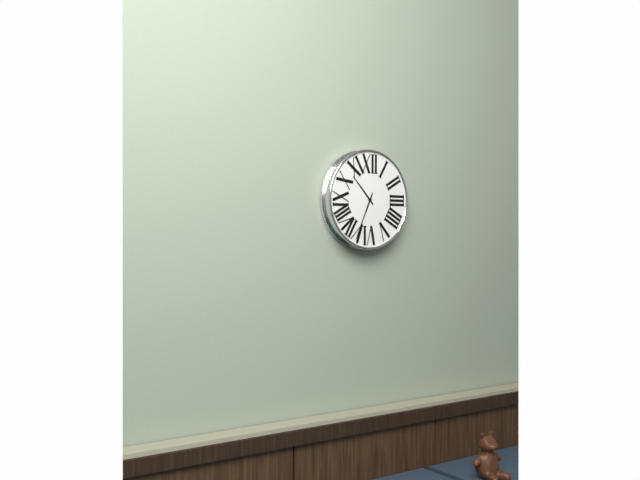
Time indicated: 10:34
